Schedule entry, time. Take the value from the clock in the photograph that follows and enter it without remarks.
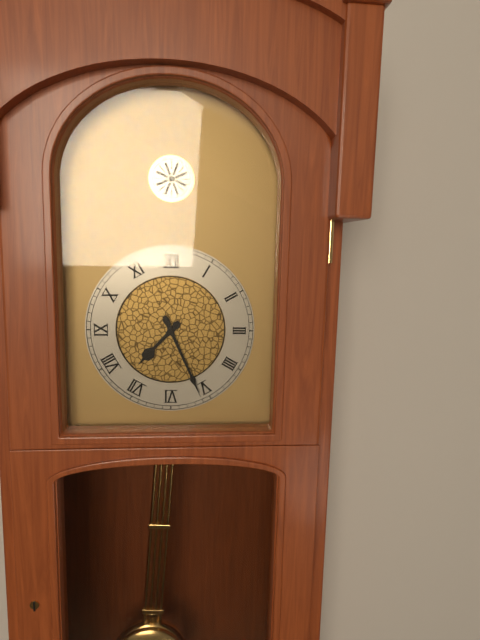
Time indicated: 7:26
